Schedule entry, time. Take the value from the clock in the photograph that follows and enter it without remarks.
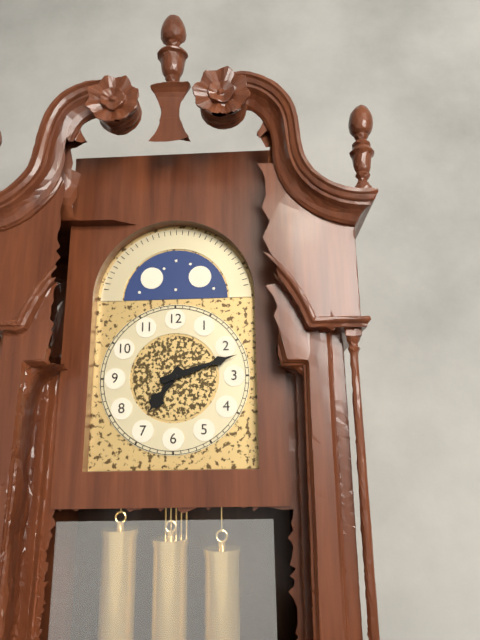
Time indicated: 7:12
